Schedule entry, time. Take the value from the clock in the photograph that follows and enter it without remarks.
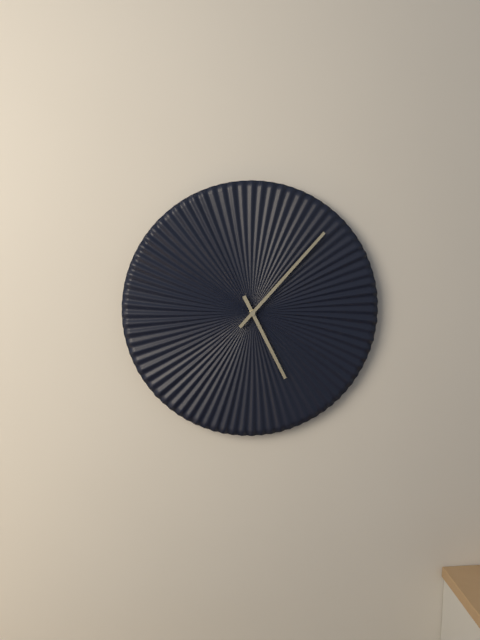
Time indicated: 5:07
